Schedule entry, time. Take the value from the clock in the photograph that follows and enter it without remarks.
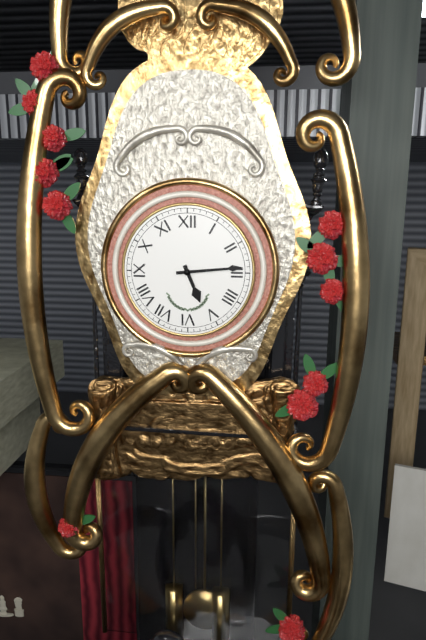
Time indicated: 5:14
